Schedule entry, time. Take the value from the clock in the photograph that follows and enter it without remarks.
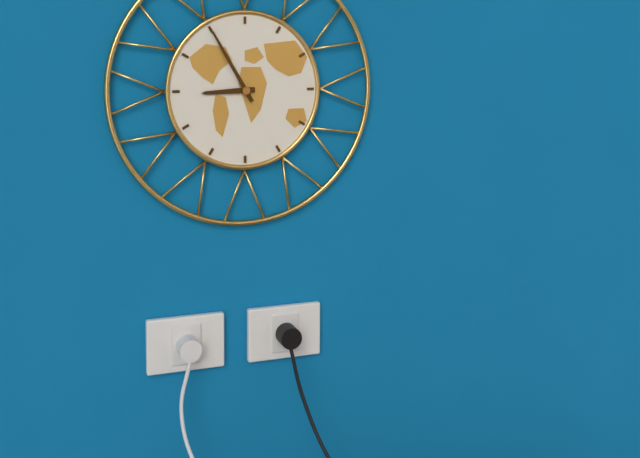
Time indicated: 8:55
